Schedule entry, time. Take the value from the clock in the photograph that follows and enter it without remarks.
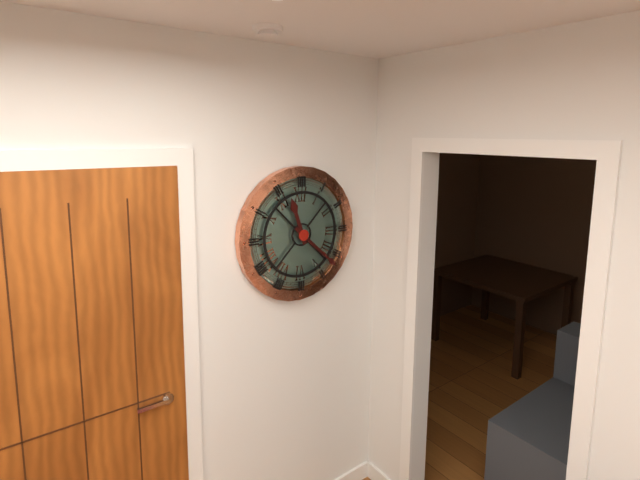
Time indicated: 11:22
